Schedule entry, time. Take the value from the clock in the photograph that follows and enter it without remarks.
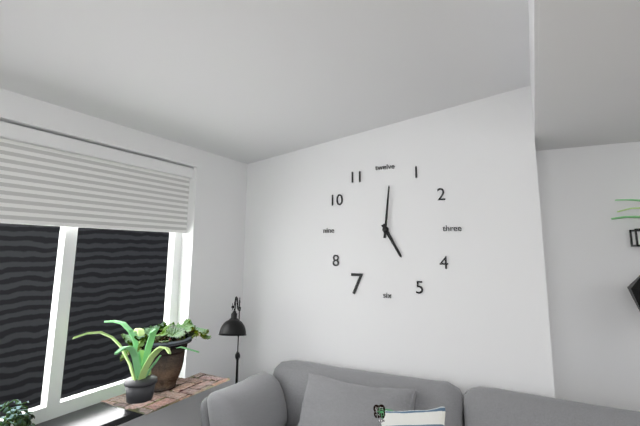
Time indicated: 5:01
